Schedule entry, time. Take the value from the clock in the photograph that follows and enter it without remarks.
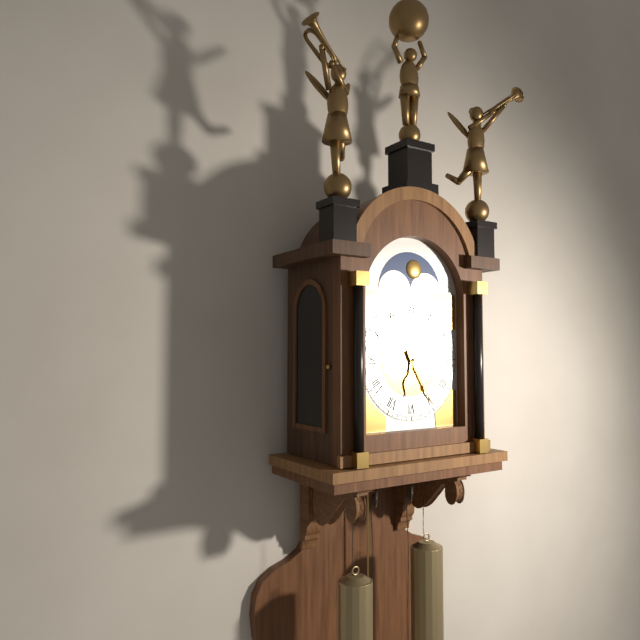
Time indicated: 6:25
